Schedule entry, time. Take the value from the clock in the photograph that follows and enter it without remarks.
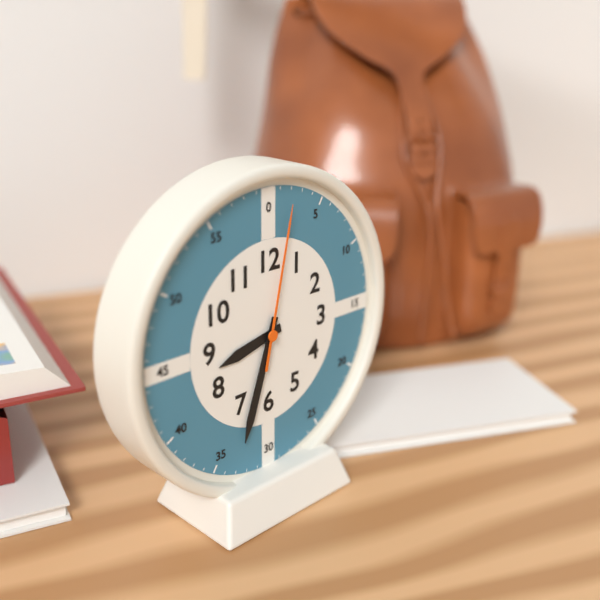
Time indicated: 8:33:02
